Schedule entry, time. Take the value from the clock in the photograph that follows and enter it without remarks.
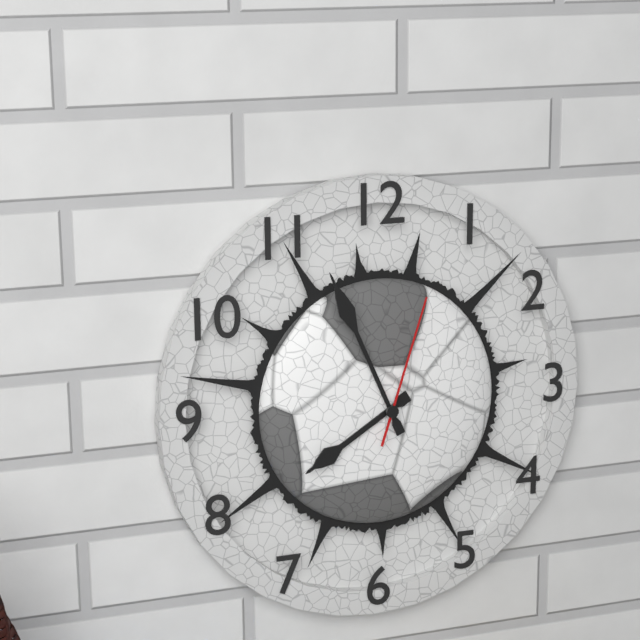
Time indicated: 7:56:03
